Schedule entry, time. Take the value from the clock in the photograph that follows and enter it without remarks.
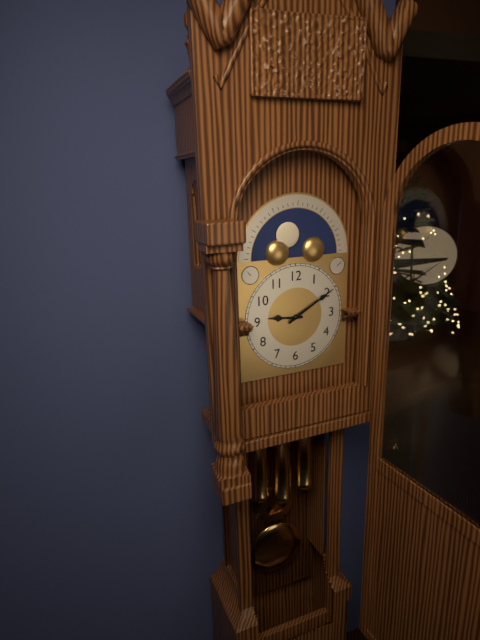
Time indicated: 9:10
